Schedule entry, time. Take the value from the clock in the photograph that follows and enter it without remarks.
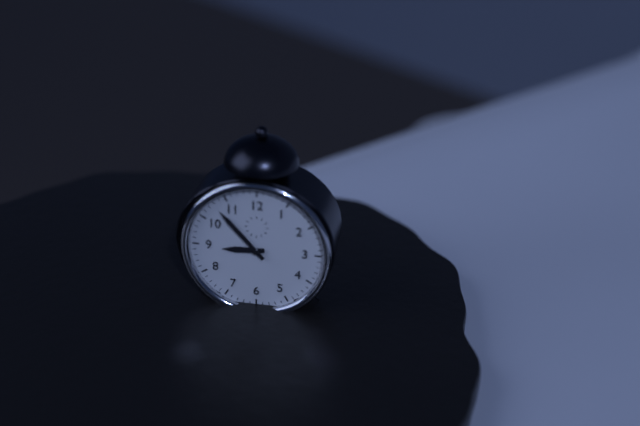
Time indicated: 8:53
